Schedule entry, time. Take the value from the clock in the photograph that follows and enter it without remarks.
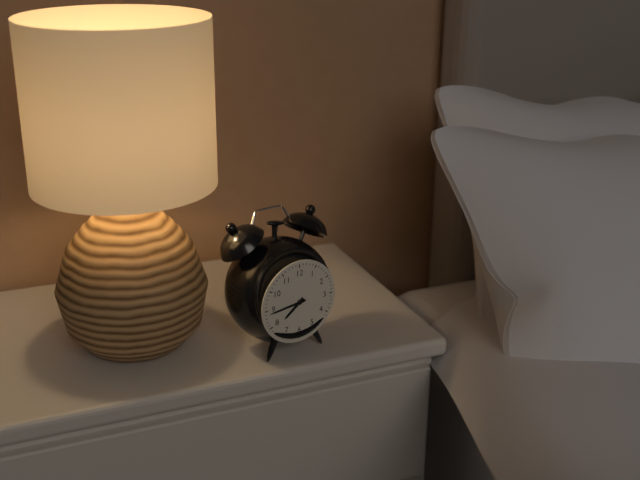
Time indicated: 7:44
